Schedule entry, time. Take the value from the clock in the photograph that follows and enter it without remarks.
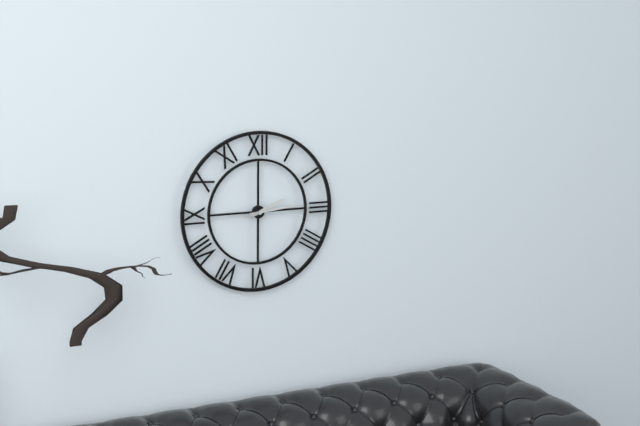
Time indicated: 2:14
